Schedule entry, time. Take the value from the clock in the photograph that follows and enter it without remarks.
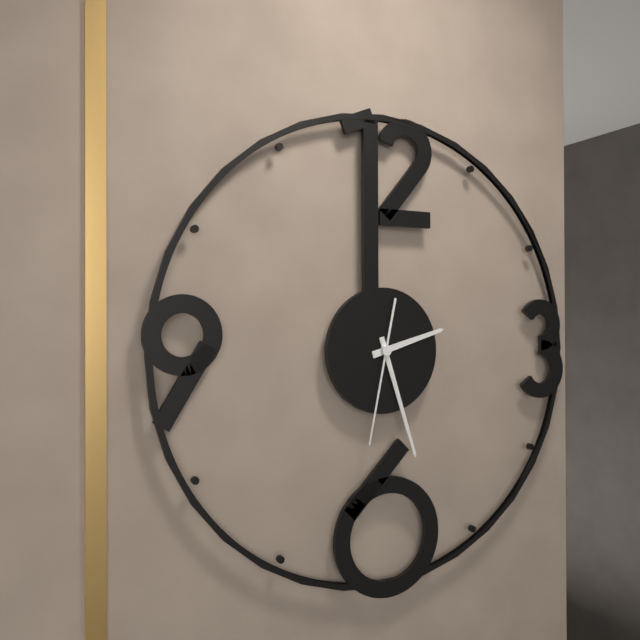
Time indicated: 2:27:32
